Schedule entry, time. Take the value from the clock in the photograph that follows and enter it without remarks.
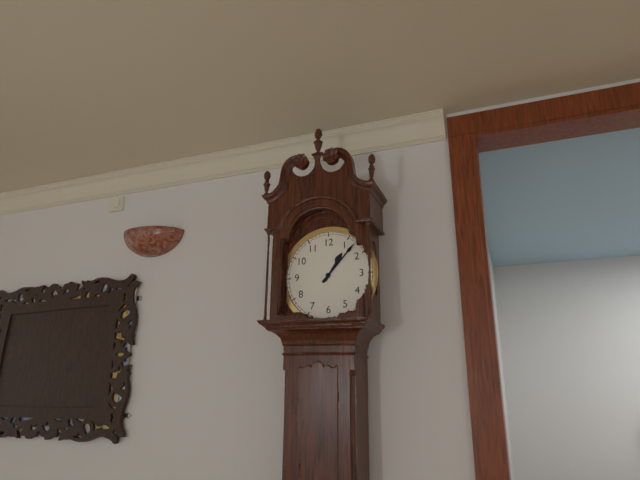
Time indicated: 1:07
